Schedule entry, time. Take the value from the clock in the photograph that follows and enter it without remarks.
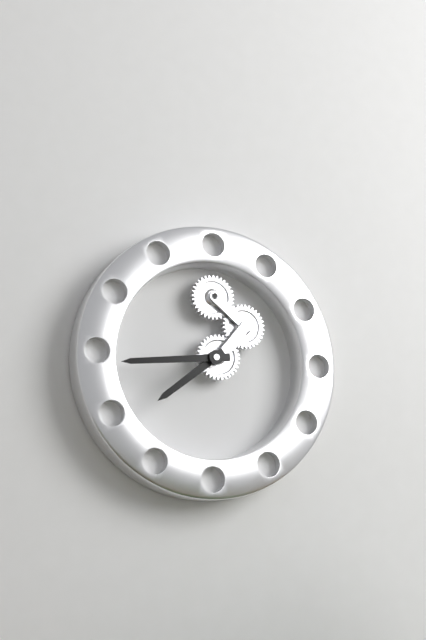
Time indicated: 7:44
